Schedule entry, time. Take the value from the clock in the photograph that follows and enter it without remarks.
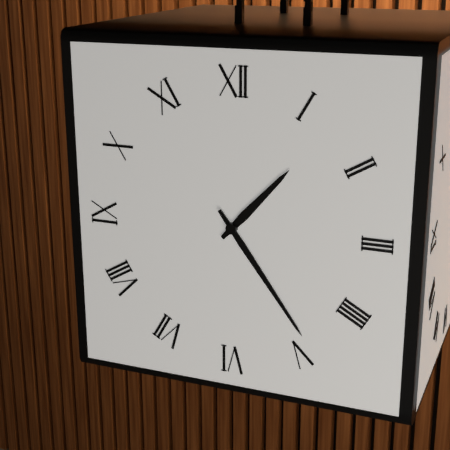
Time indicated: 1:24
